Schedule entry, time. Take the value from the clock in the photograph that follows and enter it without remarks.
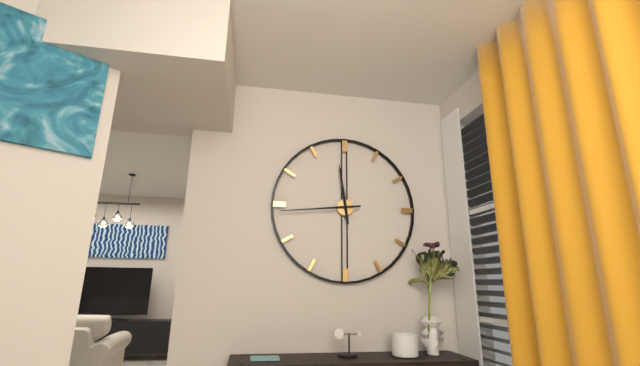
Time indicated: 11:44
